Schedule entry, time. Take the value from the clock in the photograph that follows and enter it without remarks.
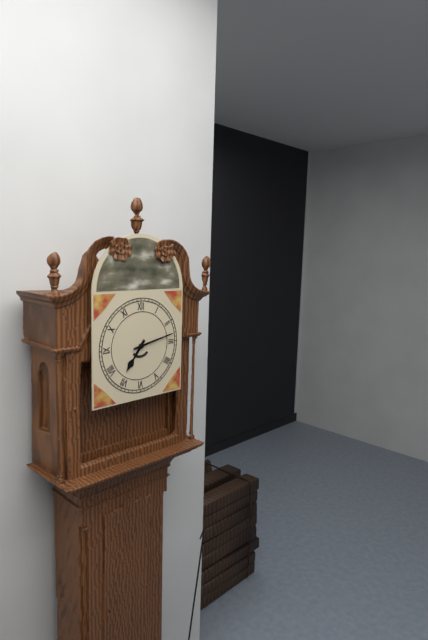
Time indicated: 7:13
